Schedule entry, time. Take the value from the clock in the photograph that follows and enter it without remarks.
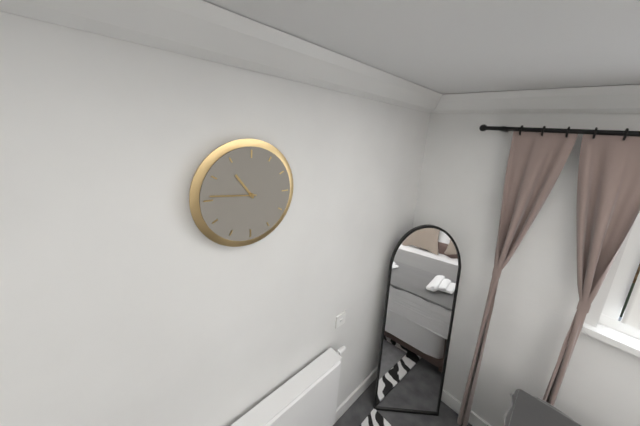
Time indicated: 10:46
